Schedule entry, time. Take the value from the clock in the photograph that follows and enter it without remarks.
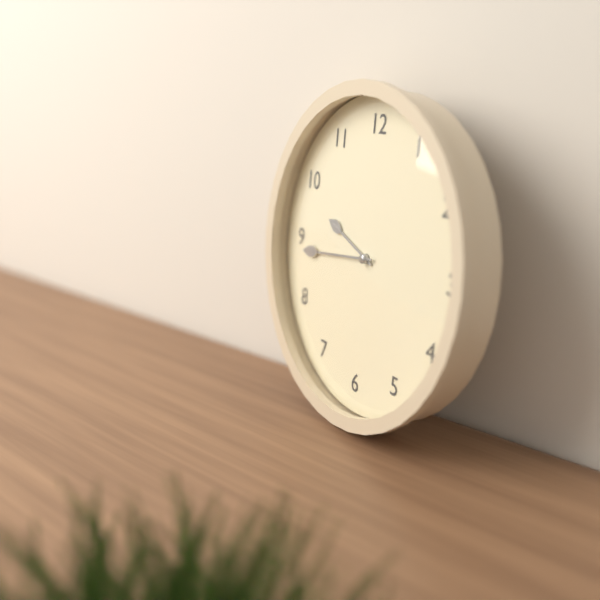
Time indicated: 9:44
